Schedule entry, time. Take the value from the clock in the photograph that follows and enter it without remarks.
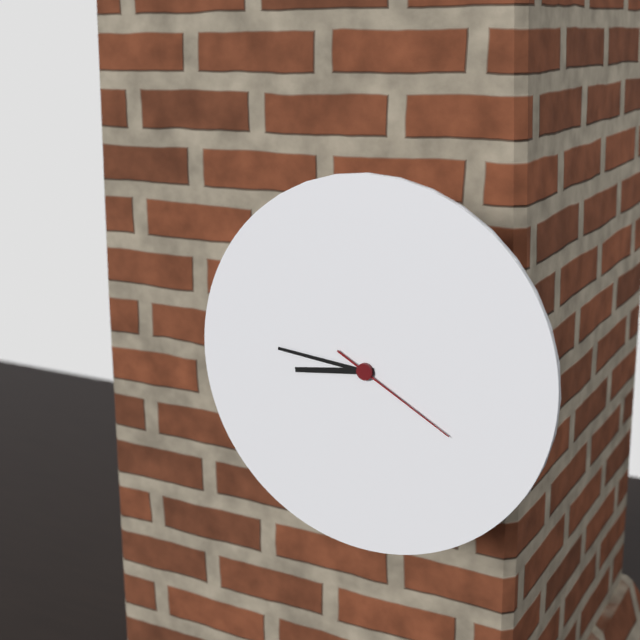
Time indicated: 8:46:20
